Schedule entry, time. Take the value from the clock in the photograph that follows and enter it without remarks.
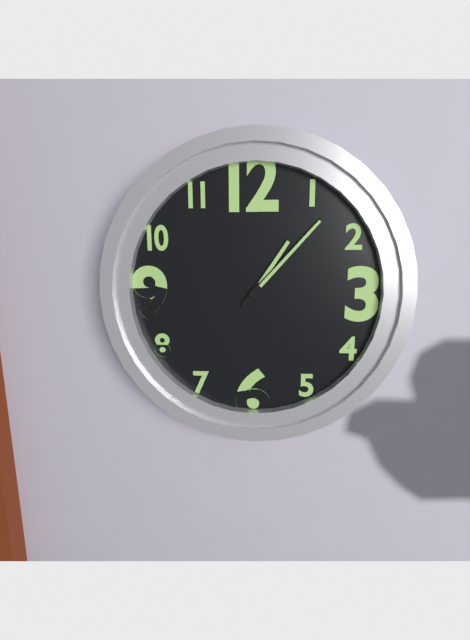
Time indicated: 1:07
